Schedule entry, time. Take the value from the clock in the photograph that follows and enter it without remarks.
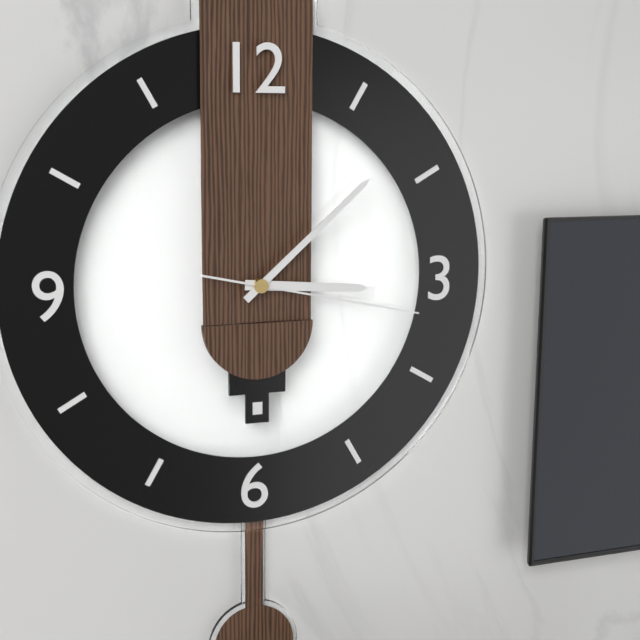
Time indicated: 3:08:17
